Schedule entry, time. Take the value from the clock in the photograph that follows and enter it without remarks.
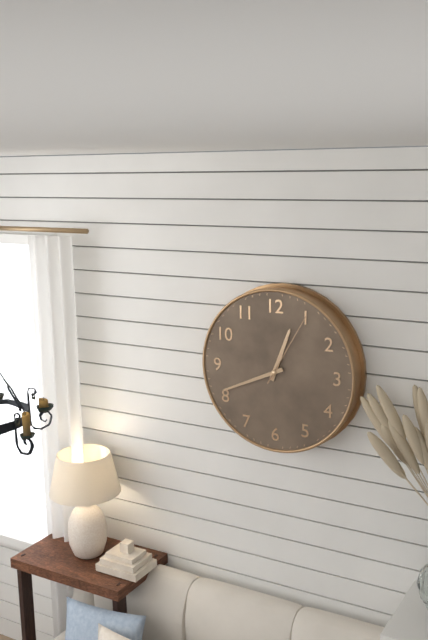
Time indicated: 12:41:05
